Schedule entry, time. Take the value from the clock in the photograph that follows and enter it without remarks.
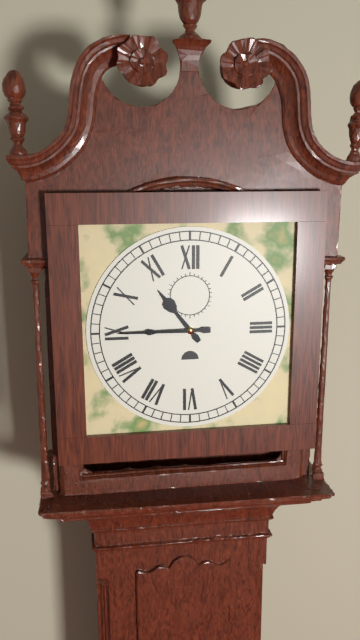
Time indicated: 10:45
